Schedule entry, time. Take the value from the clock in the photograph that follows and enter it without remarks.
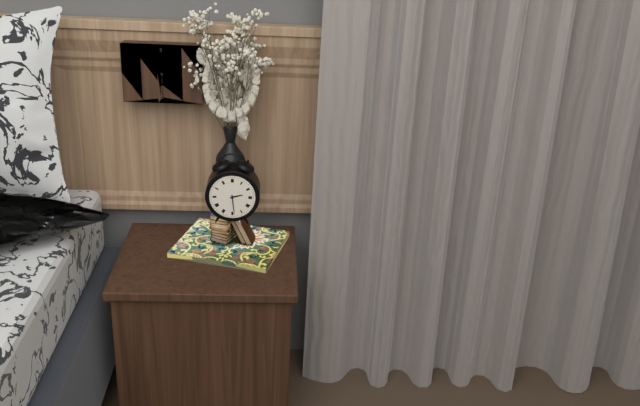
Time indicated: 2:29
